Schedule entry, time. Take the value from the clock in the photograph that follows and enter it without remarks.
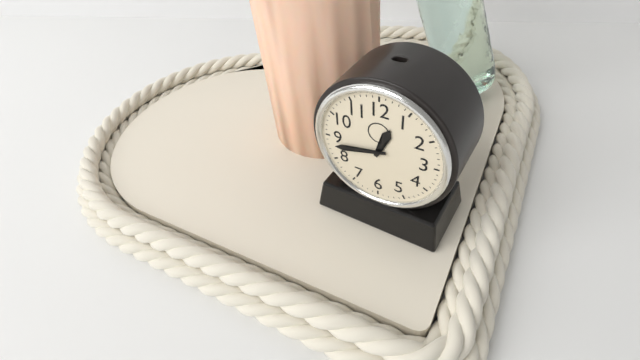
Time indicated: 12:43
